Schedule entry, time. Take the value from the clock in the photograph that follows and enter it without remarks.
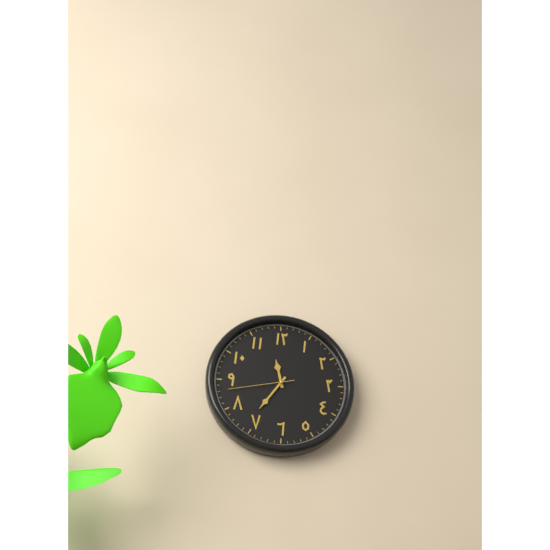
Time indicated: 11:36:43
